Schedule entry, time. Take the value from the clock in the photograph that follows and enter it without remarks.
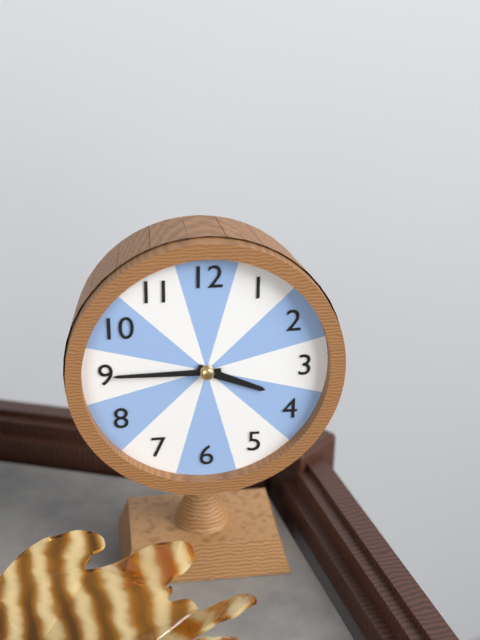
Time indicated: 3:45
